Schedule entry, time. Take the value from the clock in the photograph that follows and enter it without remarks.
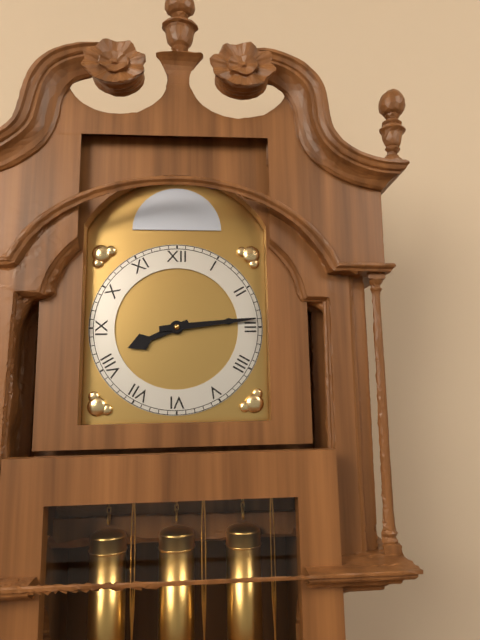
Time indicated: 8:14
